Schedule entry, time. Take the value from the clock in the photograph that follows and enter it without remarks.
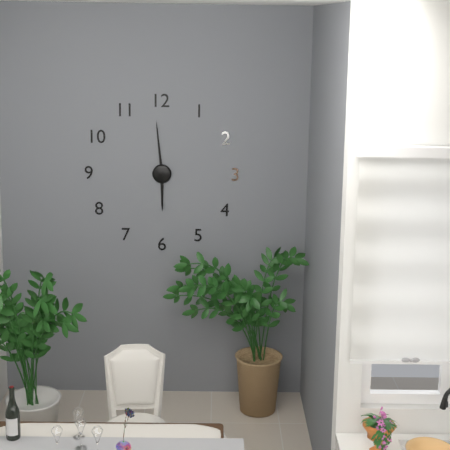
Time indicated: 5:59
